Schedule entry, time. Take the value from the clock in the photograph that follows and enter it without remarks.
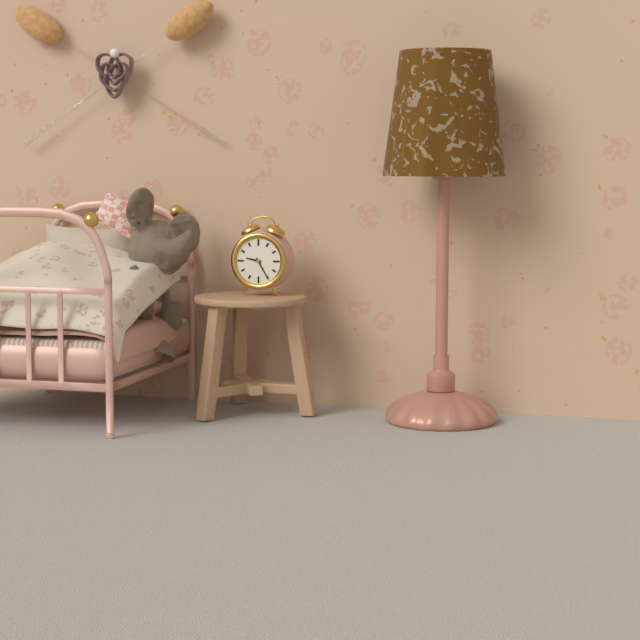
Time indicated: 9:25
